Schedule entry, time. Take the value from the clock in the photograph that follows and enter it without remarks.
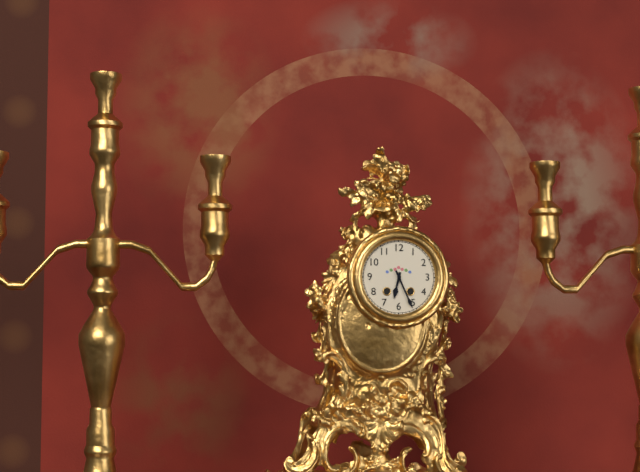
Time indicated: 6:26
